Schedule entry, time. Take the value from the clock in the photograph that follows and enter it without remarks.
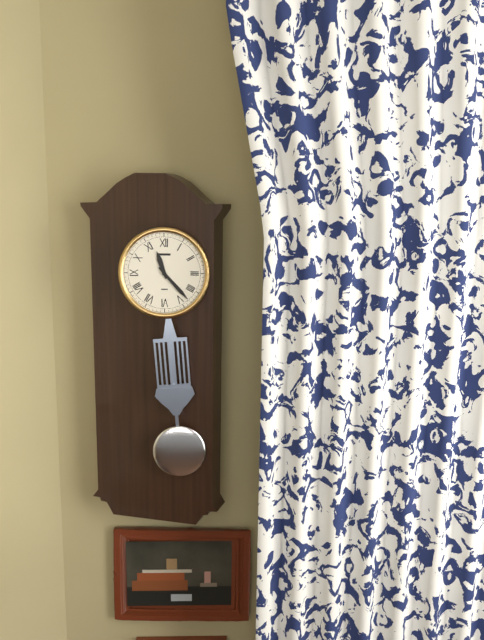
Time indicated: 11:23
